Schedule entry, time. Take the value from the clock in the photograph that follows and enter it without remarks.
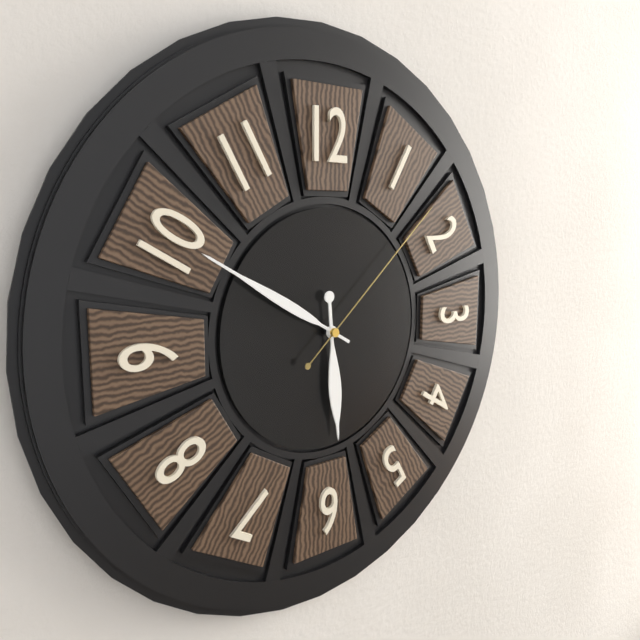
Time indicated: 5:50:08
